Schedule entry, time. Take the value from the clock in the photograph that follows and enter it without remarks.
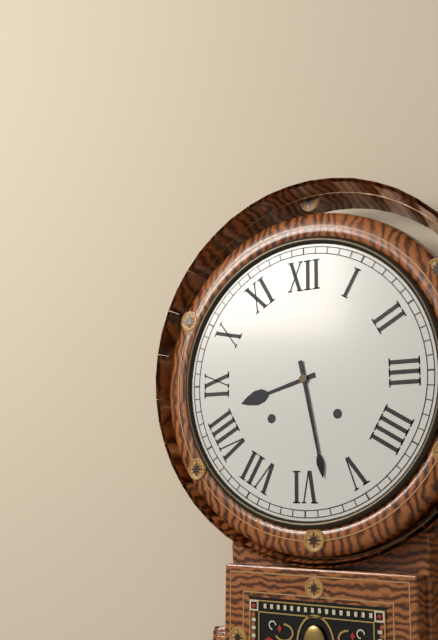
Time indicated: 8:28
